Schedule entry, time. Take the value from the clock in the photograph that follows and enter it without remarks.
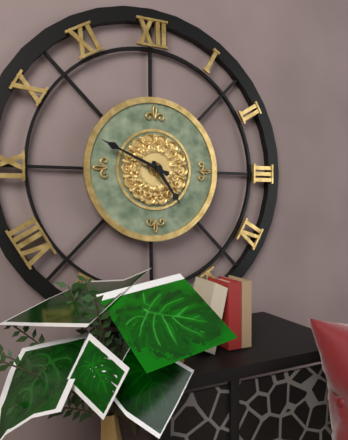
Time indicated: 4:49
